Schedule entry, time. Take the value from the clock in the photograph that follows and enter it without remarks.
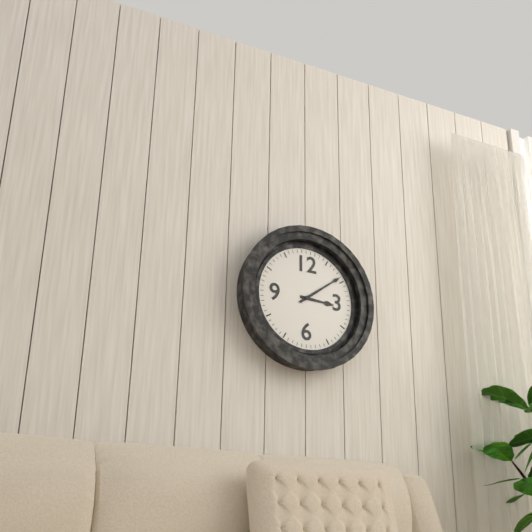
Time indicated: 3:09
